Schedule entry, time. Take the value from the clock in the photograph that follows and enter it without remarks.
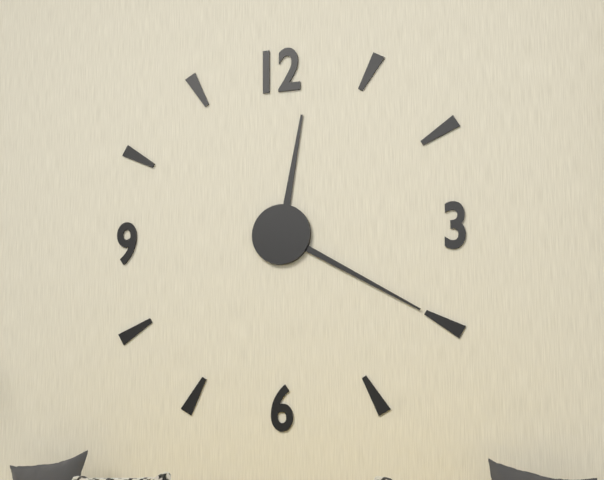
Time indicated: 12:20
